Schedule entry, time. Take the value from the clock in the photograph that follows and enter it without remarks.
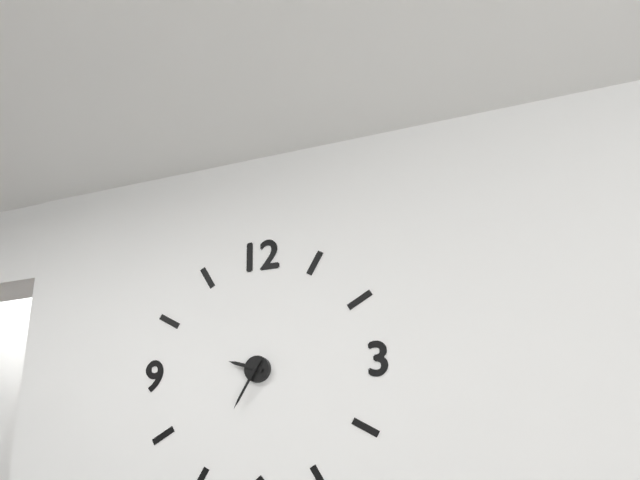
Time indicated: 9:35
